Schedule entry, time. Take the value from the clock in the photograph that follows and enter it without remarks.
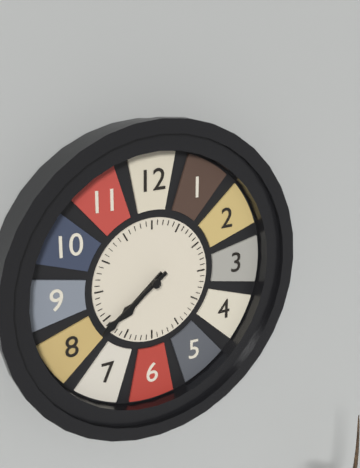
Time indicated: 7:39
